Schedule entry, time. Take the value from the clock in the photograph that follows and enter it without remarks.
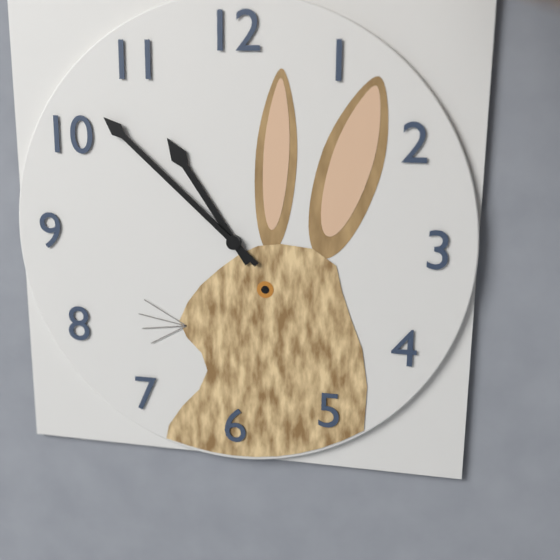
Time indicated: 10:52
